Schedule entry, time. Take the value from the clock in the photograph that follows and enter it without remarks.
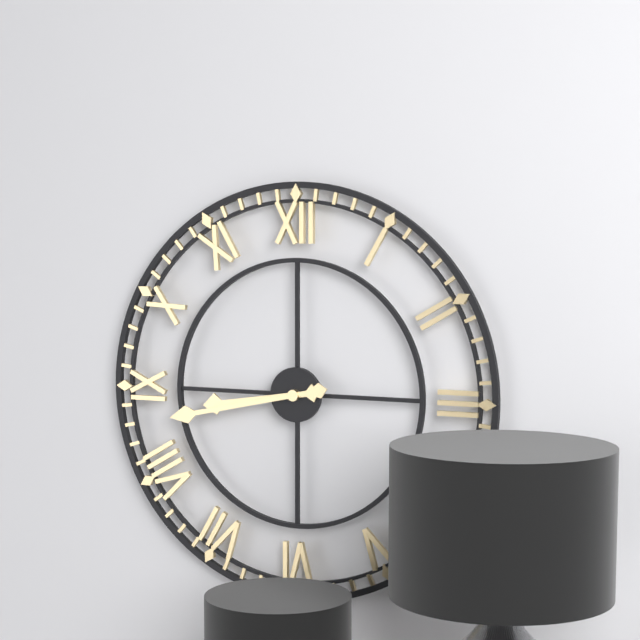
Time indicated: 8:43
